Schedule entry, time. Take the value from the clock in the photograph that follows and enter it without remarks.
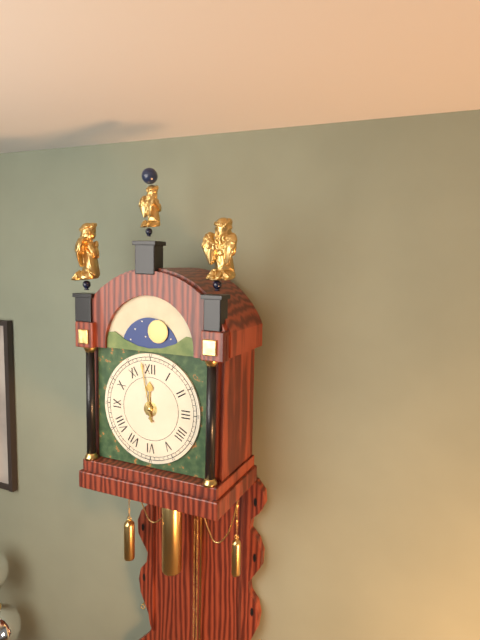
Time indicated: 11:58
